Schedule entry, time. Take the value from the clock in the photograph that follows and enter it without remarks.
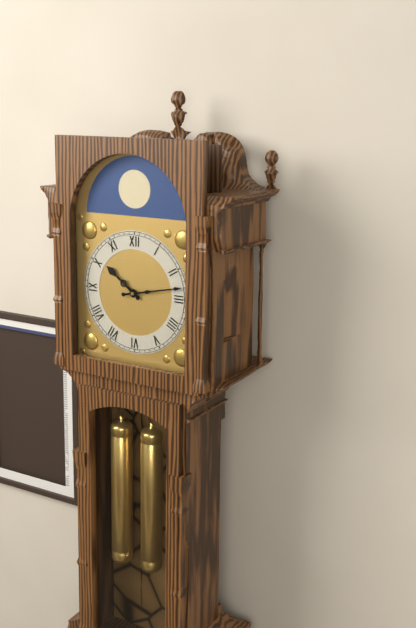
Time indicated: 10:13
